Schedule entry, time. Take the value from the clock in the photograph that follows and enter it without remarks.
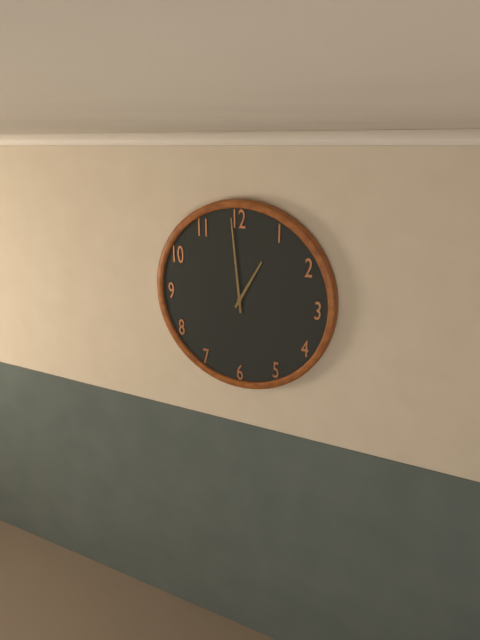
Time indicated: 12:59
